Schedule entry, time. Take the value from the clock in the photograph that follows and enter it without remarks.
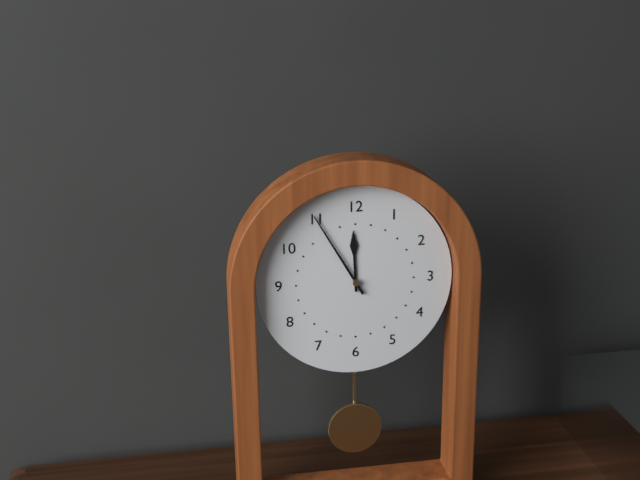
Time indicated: 11:55
